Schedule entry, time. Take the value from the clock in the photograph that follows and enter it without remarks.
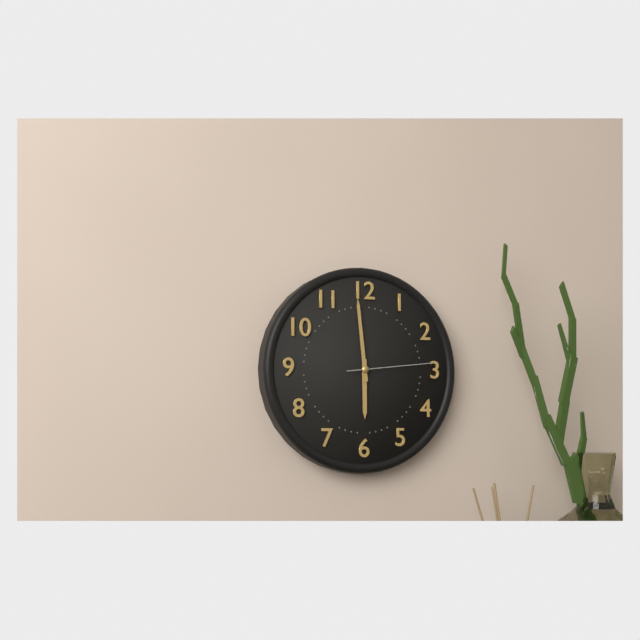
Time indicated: 5:59:14
